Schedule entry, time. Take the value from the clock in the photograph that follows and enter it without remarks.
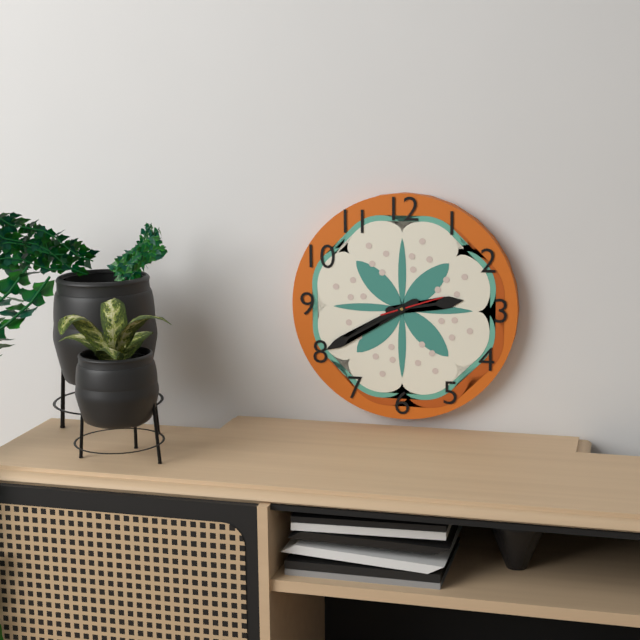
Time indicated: 2:40:12
